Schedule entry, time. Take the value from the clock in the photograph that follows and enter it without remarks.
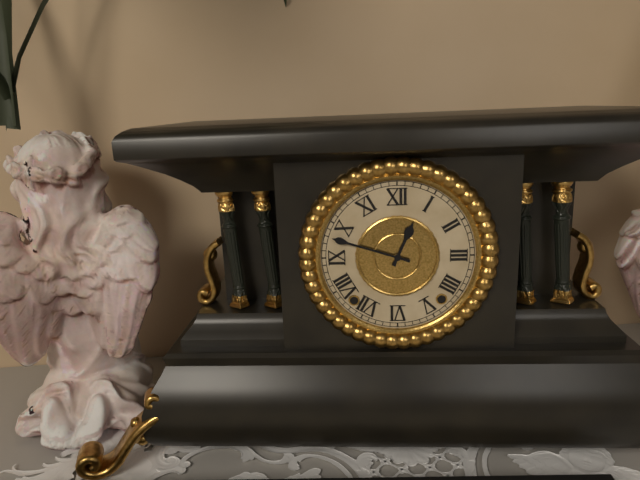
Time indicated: 12:48
